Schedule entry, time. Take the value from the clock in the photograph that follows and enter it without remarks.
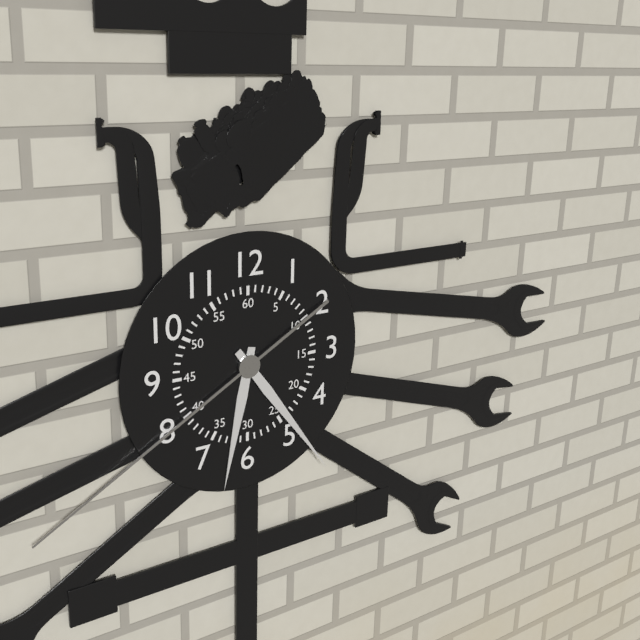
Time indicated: 6:24:40
